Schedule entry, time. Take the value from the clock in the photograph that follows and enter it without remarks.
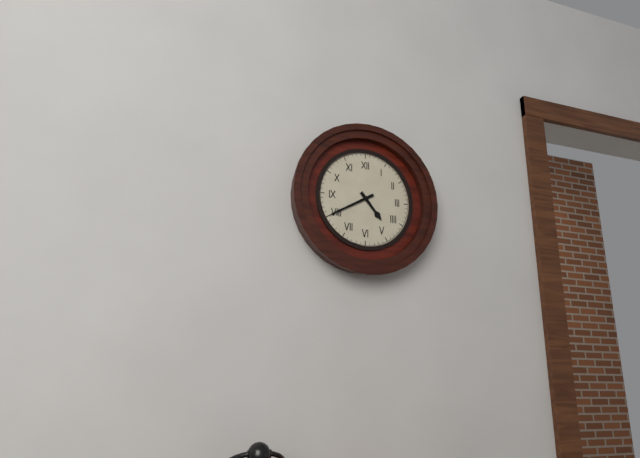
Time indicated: 4:40
